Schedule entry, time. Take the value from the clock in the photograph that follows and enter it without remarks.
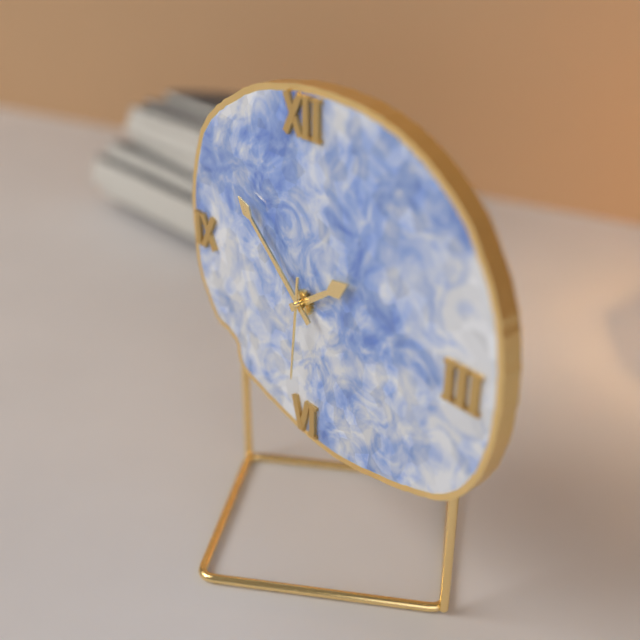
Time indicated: 1:52:31
